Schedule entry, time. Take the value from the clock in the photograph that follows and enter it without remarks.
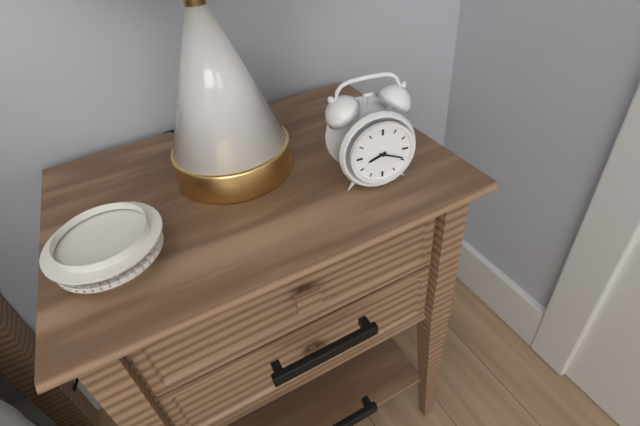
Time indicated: 8:19
